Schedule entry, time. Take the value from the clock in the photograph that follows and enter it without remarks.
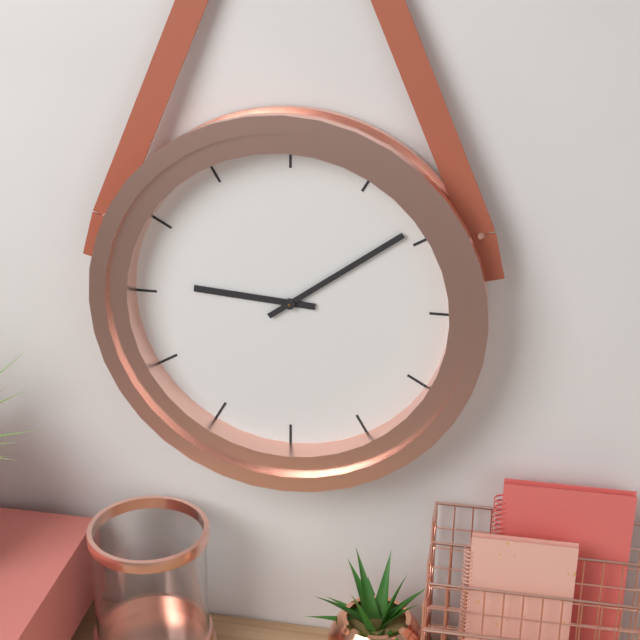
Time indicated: 9:09
